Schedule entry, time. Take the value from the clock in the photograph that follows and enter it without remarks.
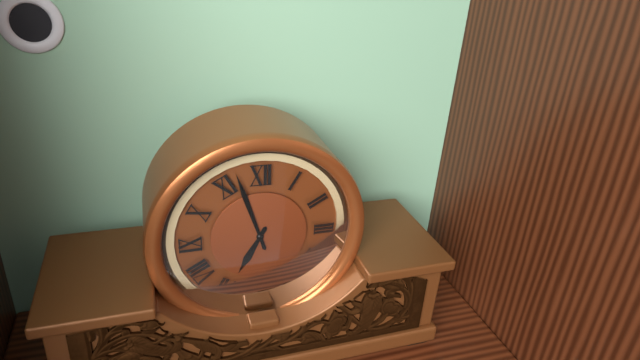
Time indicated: 6:57
